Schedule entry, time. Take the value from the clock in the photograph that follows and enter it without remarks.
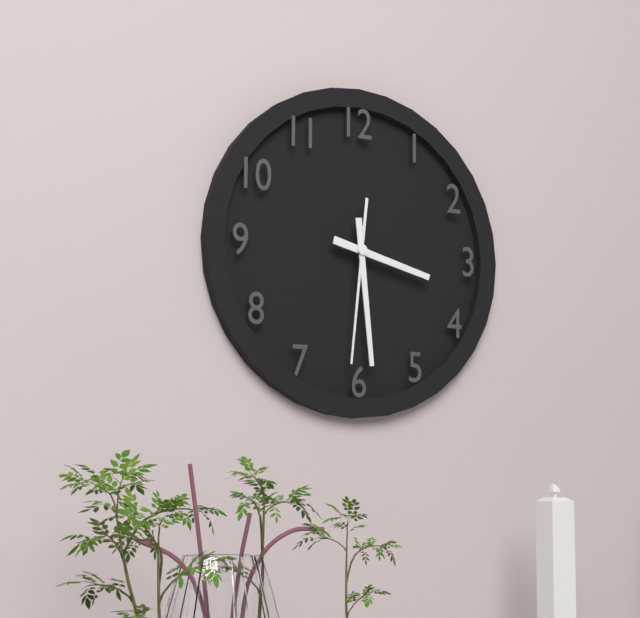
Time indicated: 3:29:31
